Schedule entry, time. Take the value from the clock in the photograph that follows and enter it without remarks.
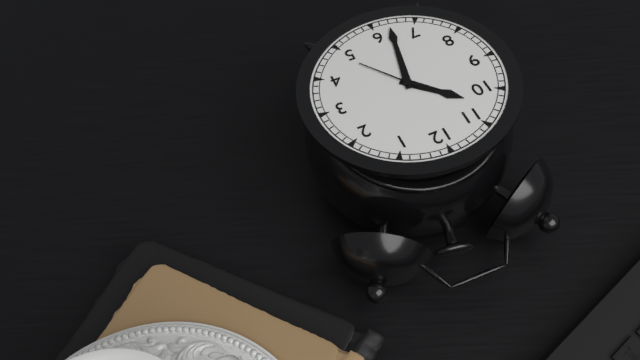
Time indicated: 10:32:24
